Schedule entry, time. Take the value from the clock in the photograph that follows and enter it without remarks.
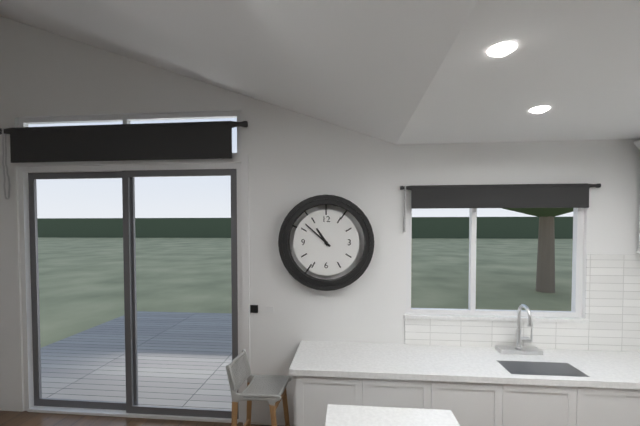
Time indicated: 10:52
